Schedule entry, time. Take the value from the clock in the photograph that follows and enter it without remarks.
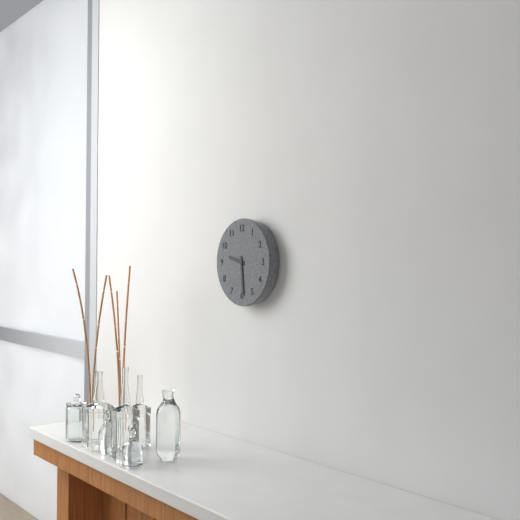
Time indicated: 9:29
